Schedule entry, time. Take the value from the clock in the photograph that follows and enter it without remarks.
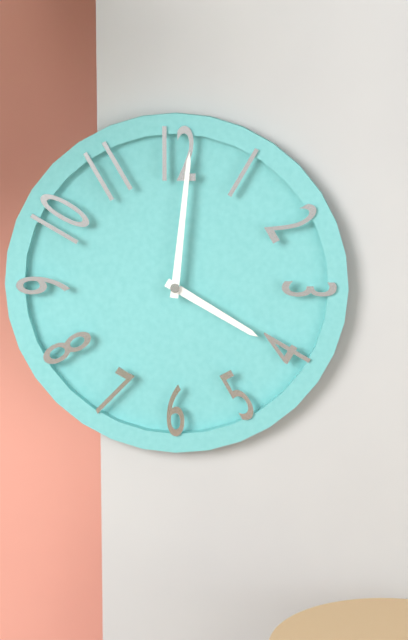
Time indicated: 4:01
